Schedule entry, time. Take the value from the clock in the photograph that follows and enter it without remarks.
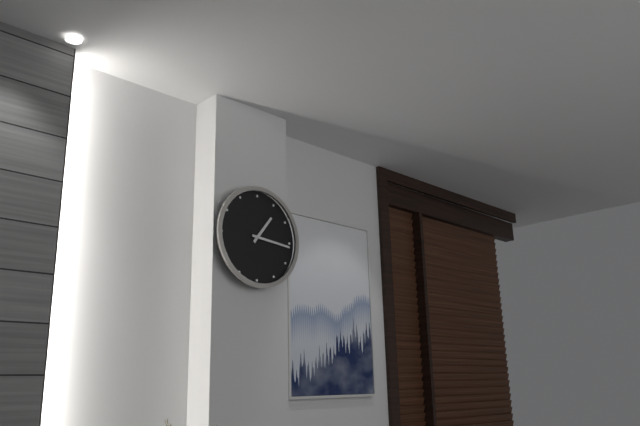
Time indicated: 1:16
